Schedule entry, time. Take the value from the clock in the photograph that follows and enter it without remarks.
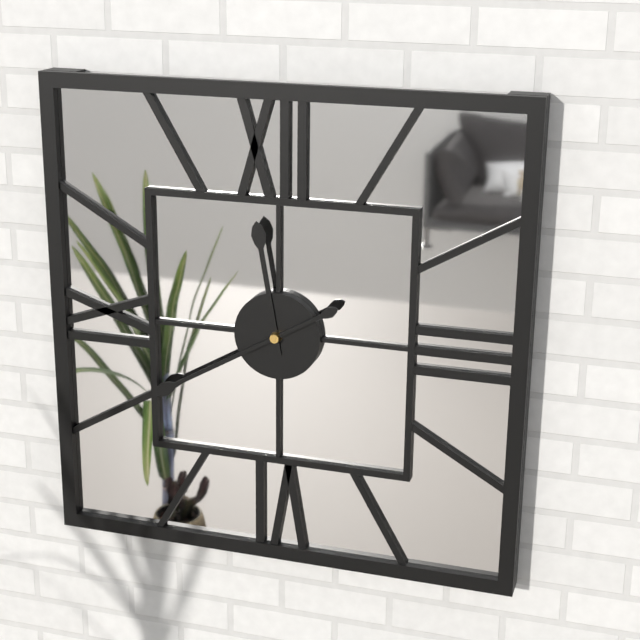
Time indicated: 11:40
